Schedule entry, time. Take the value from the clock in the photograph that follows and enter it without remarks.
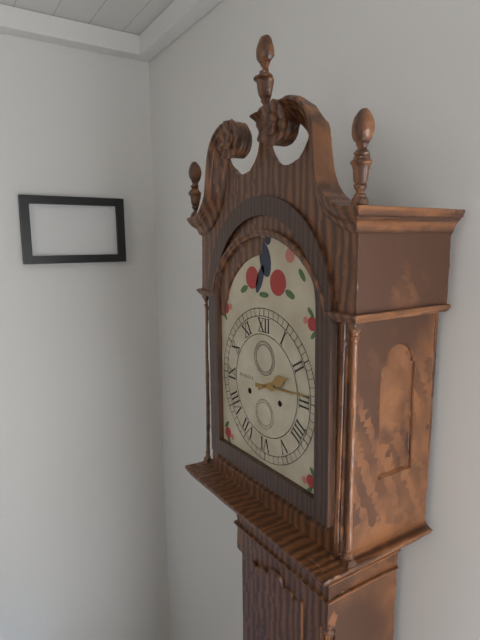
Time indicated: 2:14
